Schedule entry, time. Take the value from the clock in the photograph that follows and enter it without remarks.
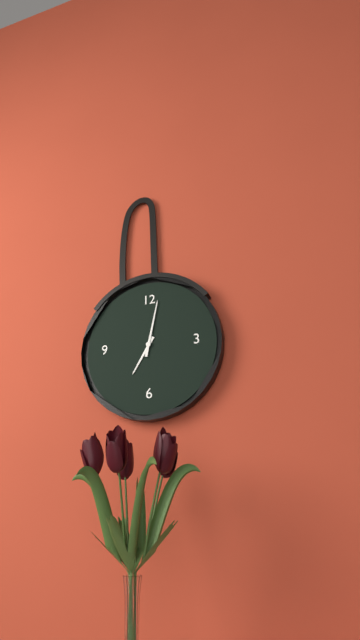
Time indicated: 7:02
